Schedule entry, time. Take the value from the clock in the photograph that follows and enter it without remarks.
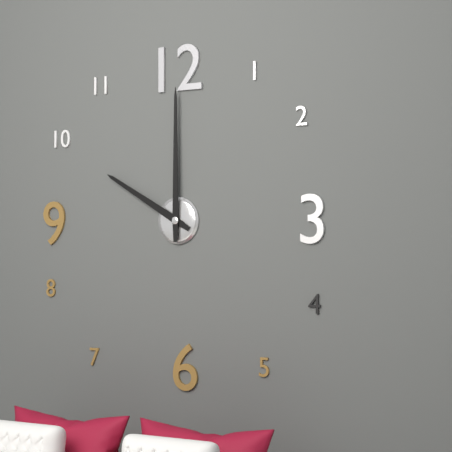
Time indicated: 10:00
